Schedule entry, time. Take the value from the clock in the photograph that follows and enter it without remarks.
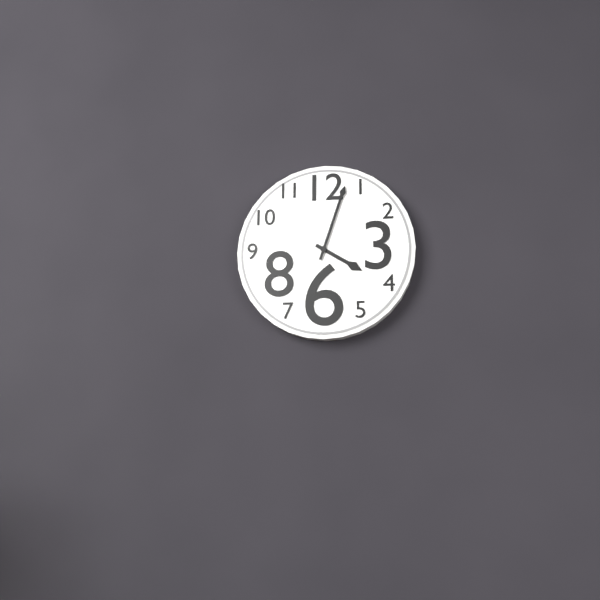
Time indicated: 4:03
